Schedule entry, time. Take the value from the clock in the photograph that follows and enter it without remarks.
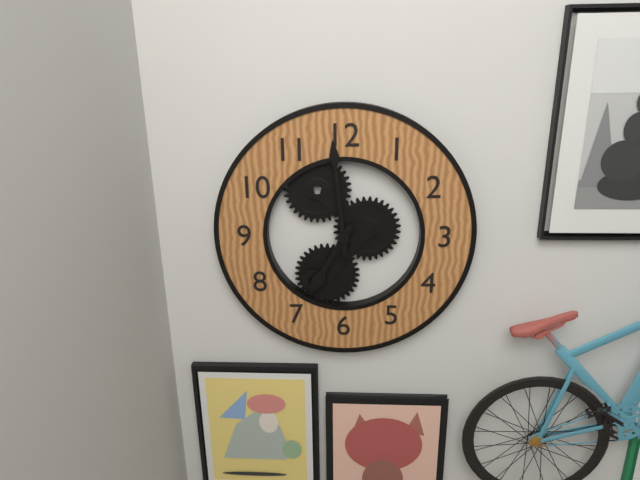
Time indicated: 6:59
